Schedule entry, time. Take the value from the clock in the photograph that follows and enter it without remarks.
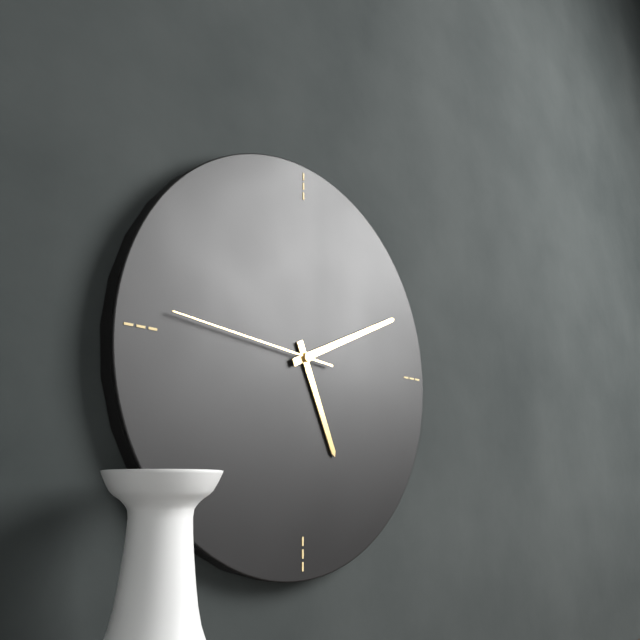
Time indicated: 5:11:46
